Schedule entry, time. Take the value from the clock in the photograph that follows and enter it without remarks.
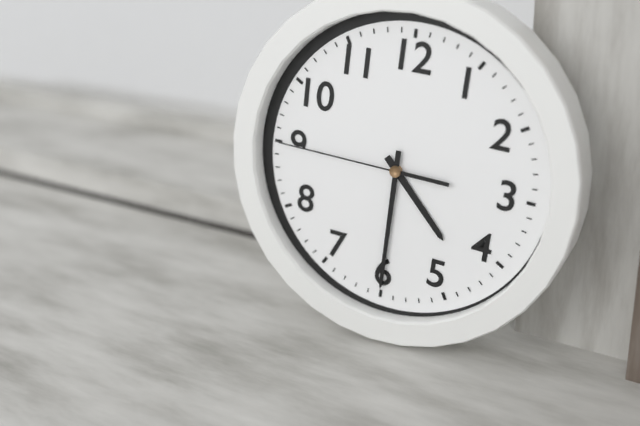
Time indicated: 4:30:45
